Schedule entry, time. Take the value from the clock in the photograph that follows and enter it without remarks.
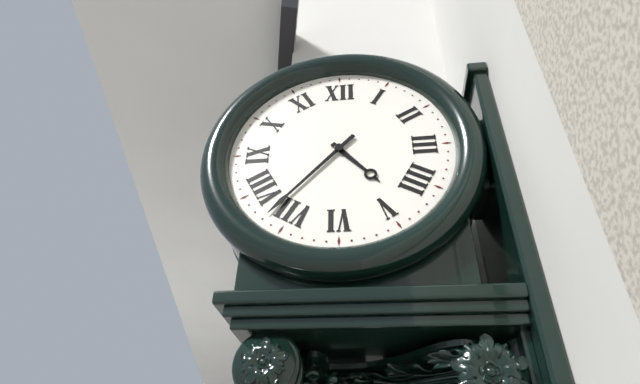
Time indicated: 4:37
